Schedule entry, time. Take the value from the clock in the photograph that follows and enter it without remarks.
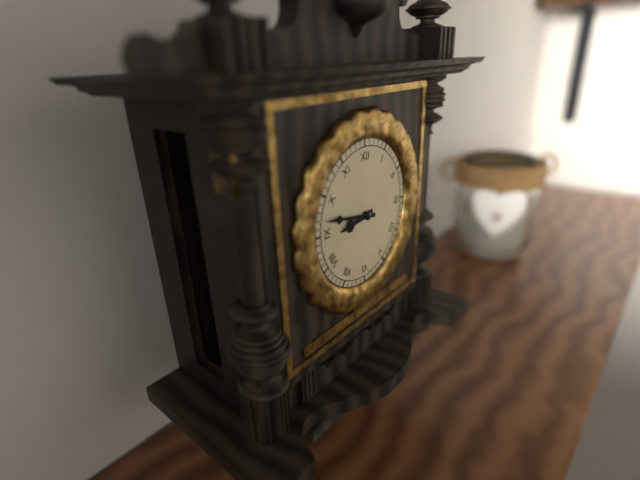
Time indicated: 8:47
